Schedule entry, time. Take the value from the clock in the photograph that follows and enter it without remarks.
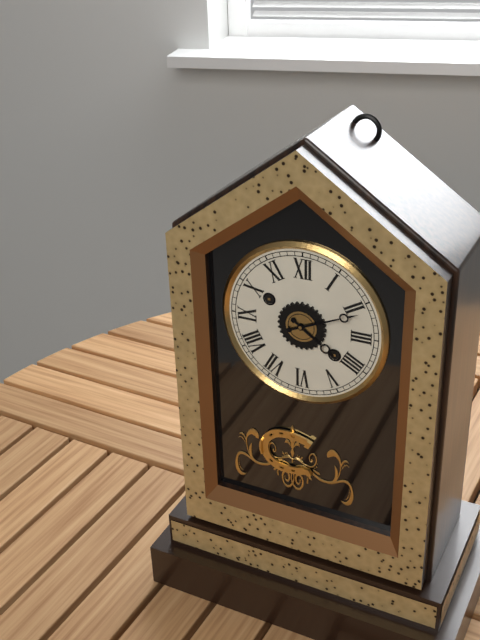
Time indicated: 4:11
